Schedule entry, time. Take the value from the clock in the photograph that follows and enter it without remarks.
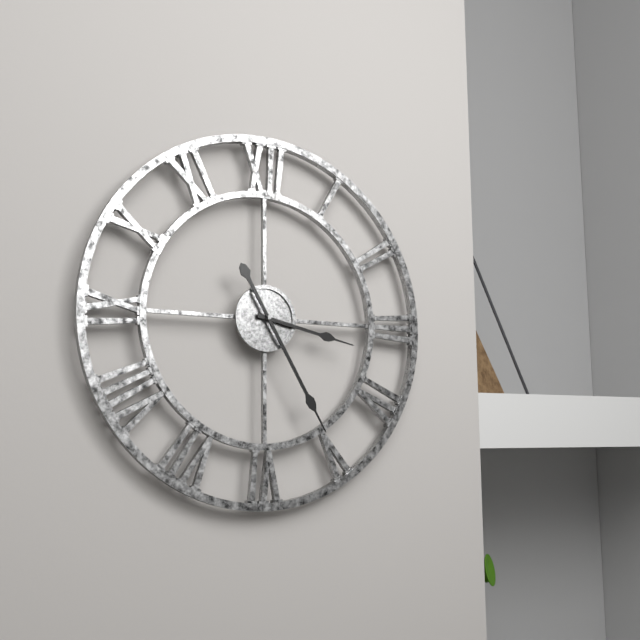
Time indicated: 3:25
